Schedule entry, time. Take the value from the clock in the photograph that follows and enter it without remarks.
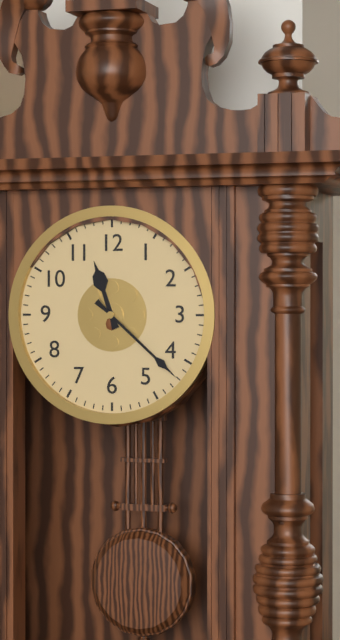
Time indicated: 11:22
